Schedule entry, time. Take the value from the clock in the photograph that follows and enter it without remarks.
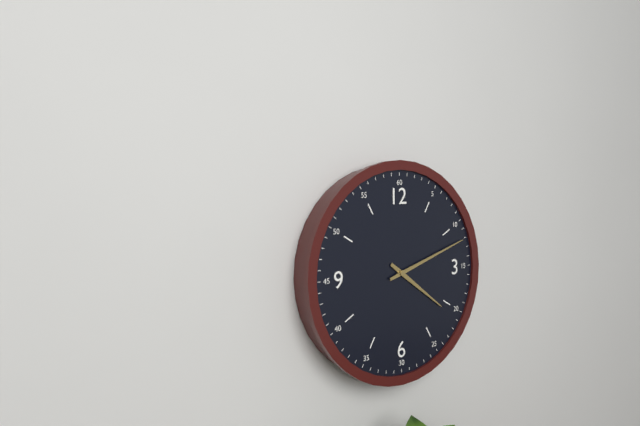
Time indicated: 4:12
